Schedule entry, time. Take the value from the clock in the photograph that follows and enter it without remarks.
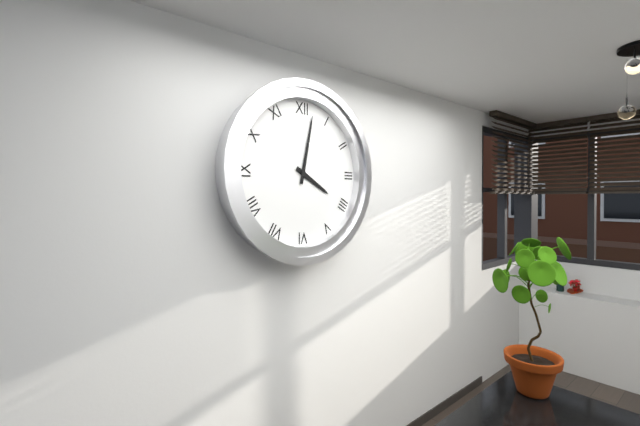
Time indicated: 4:02
